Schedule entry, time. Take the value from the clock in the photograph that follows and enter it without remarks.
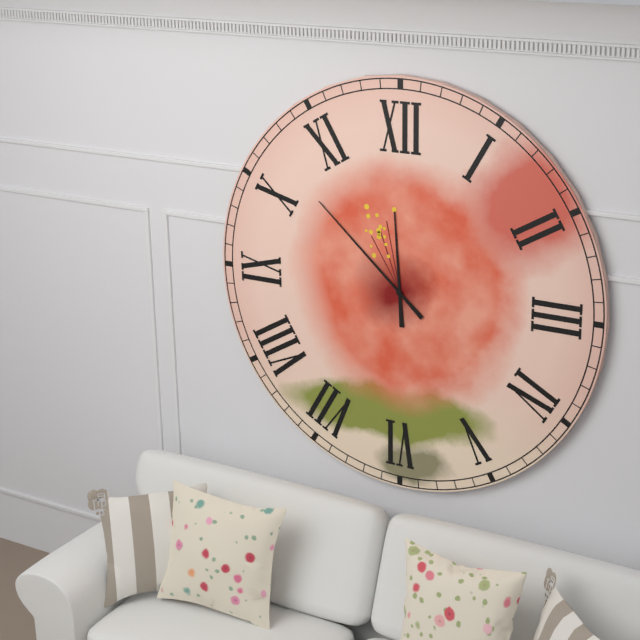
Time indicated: 11:52
